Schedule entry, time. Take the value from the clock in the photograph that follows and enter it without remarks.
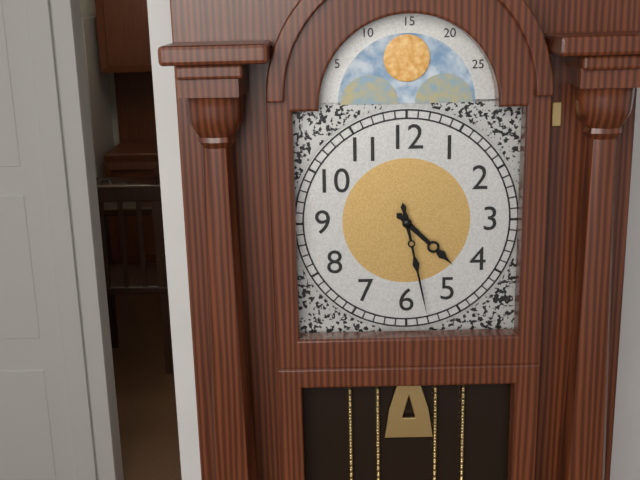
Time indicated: 4:28
